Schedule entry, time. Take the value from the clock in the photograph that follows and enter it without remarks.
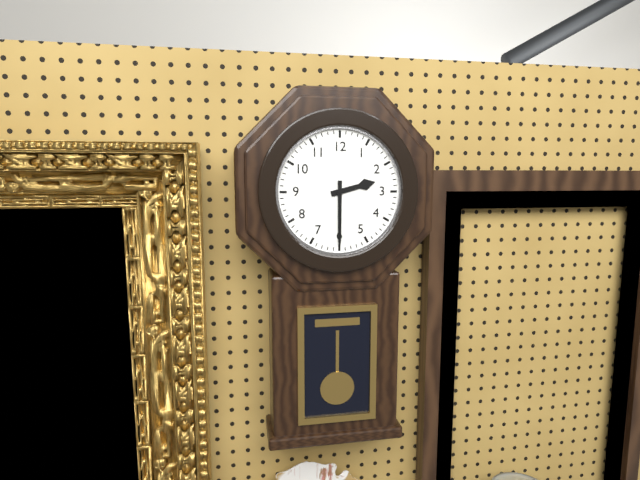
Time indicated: 2:30
